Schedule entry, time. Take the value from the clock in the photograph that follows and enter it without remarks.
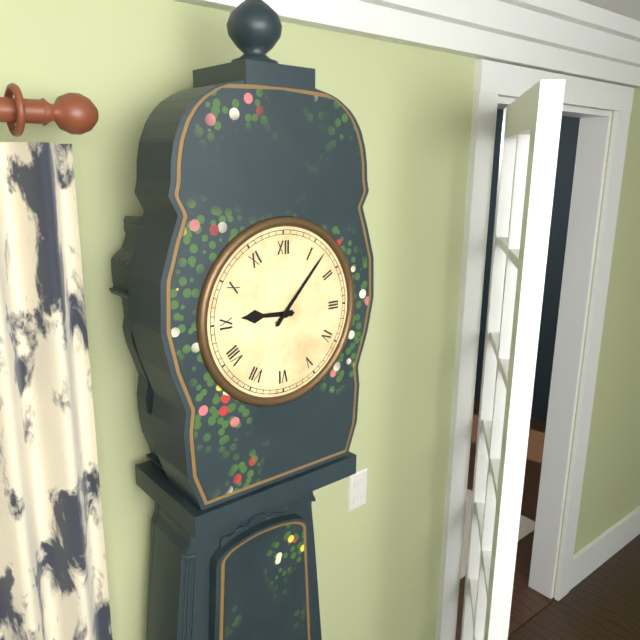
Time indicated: 9:07
